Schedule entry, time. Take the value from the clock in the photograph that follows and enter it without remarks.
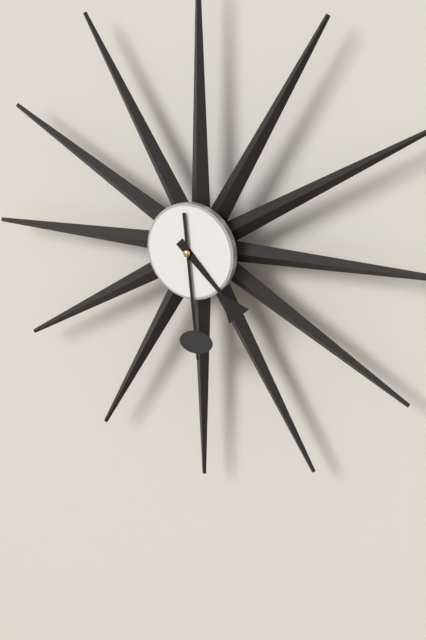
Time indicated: 4:29
